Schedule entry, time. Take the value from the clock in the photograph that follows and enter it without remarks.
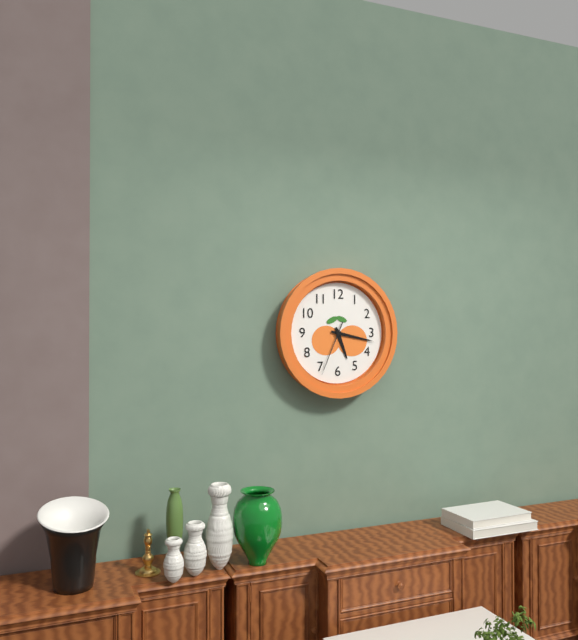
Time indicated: 5:17:34
